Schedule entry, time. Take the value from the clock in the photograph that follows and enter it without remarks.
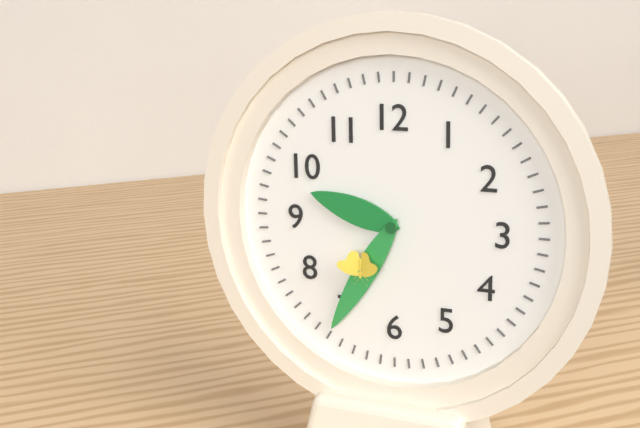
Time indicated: 9:35
